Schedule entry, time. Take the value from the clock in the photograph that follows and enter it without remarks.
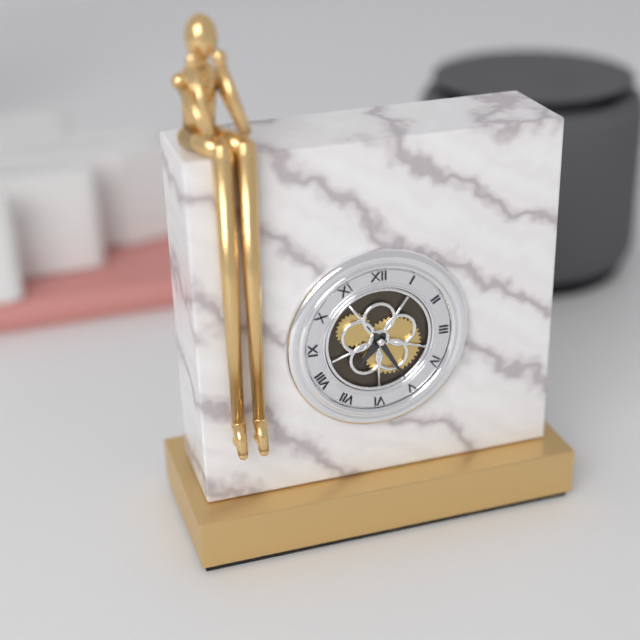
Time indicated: 7:25
